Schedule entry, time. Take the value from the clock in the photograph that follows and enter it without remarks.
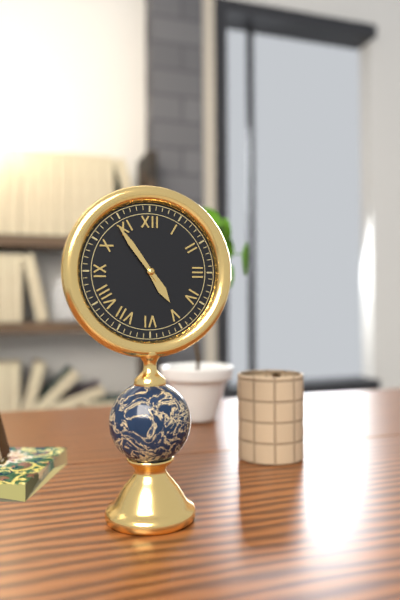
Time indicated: 4:54
